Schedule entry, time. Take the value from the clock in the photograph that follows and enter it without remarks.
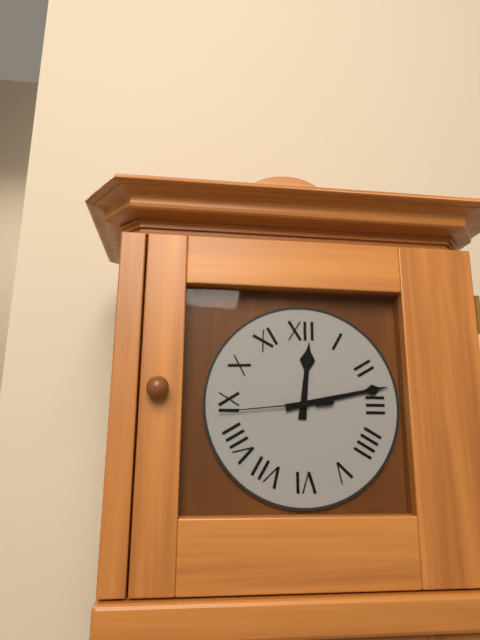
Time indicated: 12:13:44
